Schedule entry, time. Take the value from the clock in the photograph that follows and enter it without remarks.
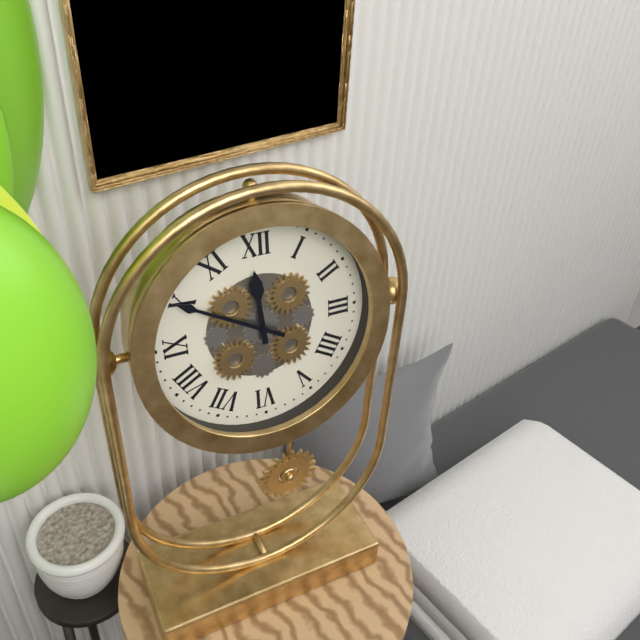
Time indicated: 11:50
